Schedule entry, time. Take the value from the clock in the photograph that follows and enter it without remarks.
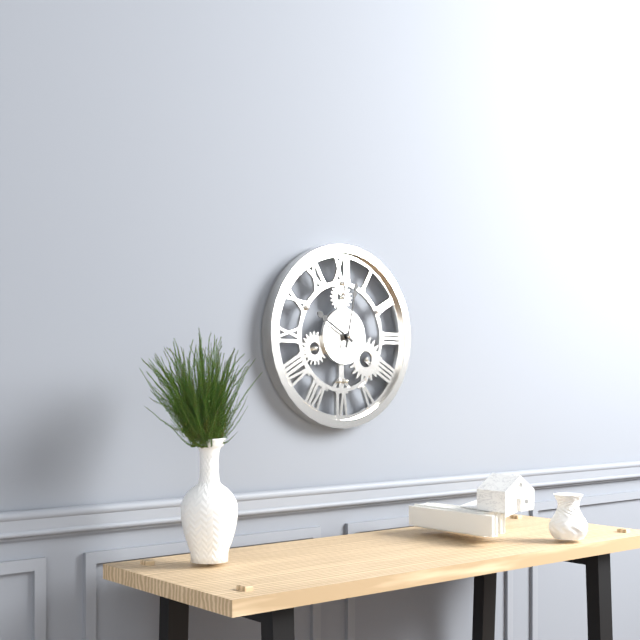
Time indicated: 10:02
